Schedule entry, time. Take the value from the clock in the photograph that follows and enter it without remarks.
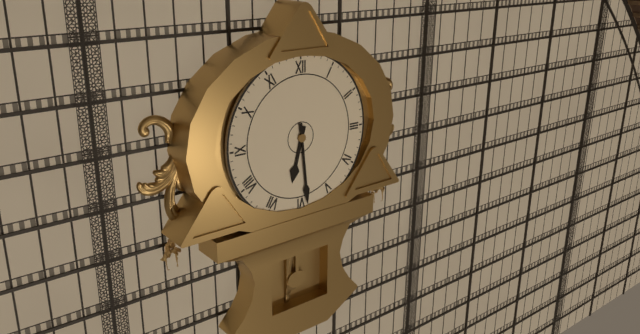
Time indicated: 6:29
